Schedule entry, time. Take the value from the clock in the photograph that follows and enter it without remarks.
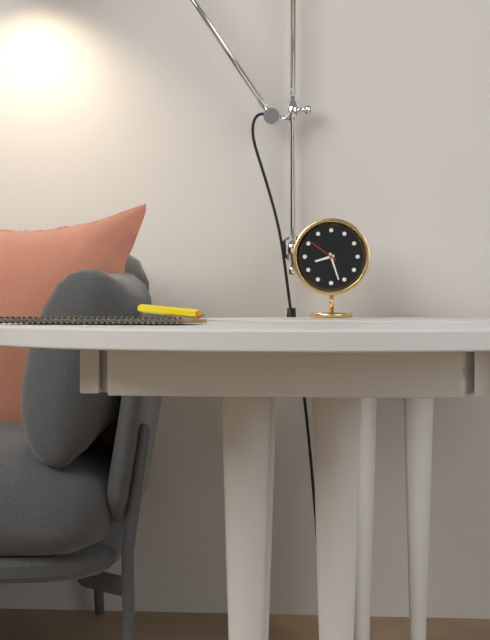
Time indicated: 8:27
